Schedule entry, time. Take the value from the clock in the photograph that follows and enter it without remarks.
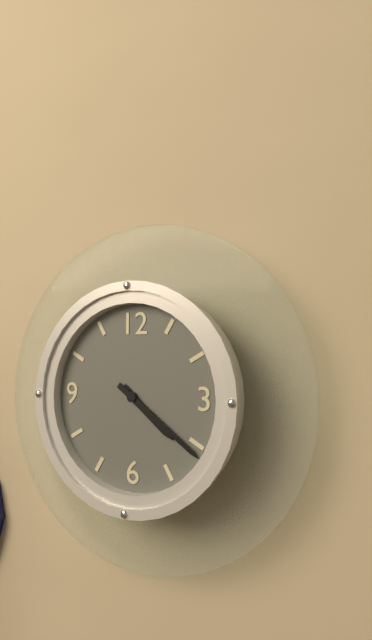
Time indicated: 4:21
